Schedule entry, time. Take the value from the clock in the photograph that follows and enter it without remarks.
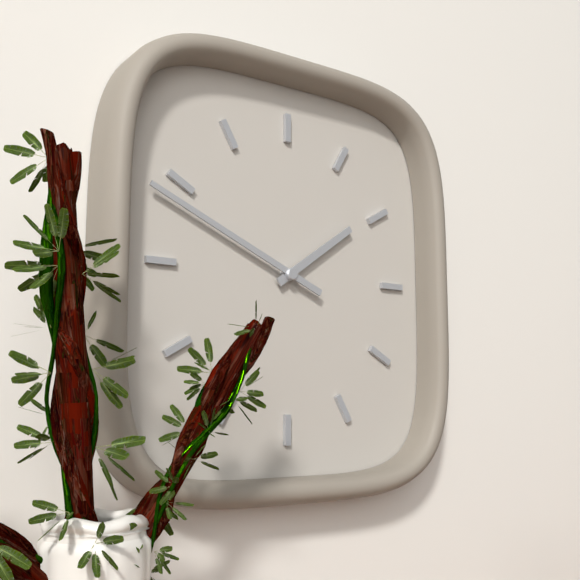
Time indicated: 1:49
